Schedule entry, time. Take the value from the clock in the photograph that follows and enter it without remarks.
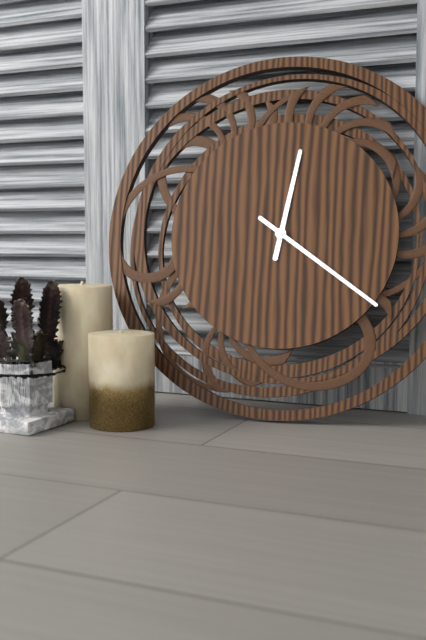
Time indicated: 12:21
